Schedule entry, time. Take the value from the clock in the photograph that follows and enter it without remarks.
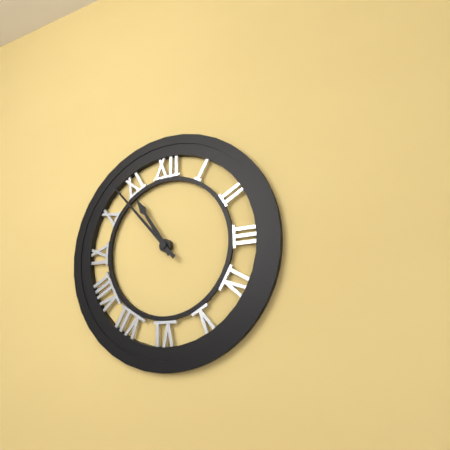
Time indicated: 10:53
